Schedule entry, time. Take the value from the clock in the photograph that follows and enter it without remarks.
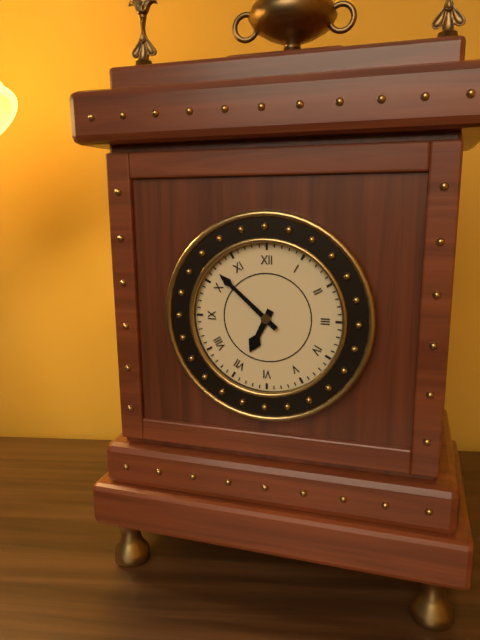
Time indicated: 6:52
